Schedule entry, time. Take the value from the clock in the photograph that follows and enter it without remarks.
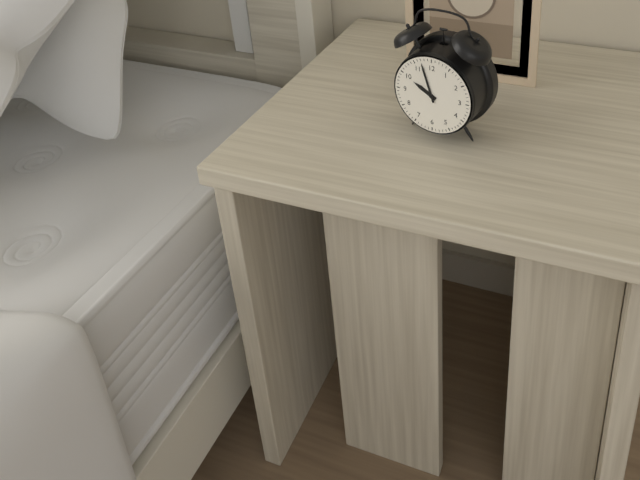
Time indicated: 9:57
